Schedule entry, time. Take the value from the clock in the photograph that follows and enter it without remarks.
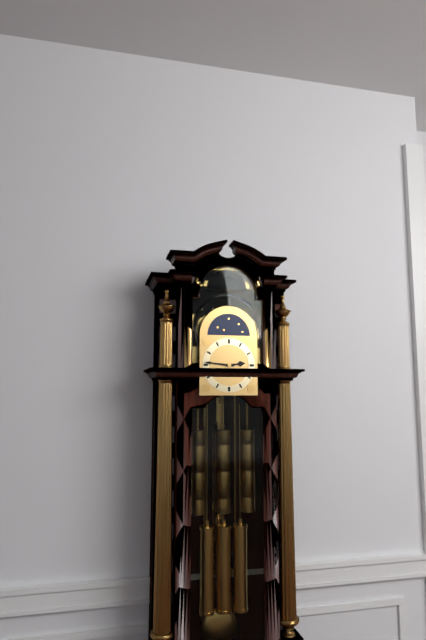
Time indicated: 2:46
